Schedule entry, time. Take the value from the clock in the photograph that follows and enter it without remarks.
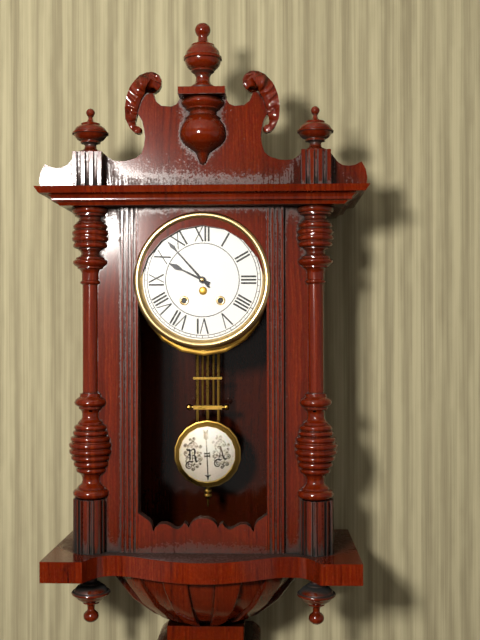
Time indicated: 9:53
